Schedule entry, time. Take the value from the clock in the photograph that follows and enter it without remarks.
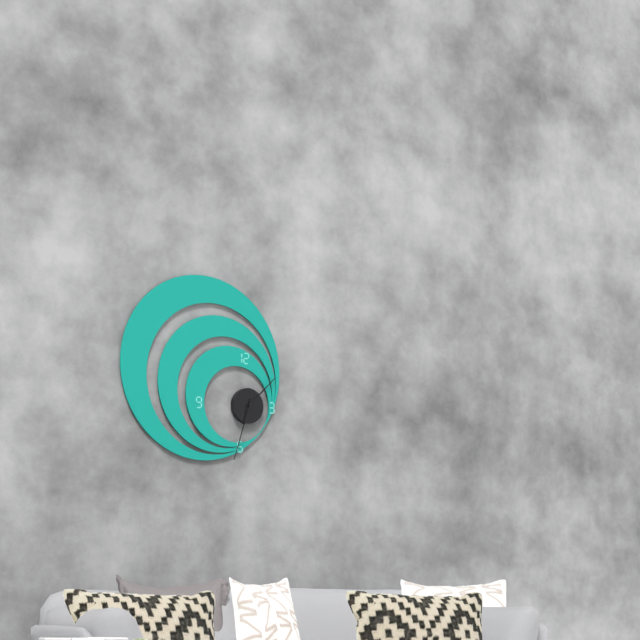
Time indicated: 1:33
